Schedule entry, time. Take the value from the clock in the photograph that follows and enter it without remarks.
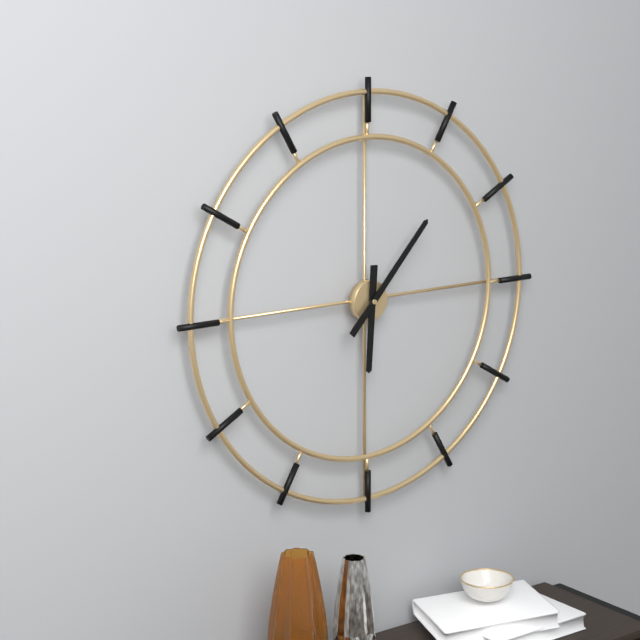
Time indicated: 6:07
